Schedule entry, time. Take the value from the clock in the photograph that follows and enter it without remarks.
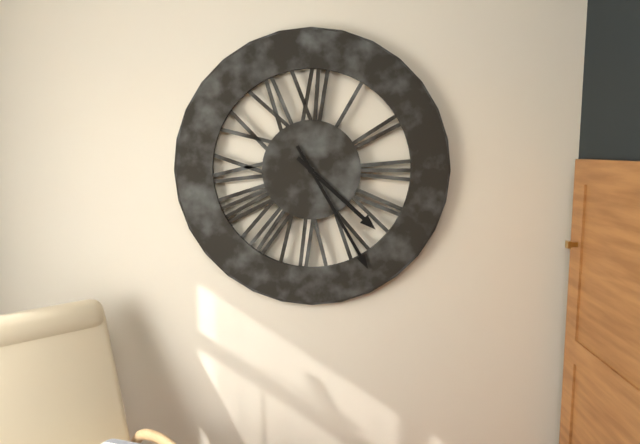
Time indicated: 4:25
